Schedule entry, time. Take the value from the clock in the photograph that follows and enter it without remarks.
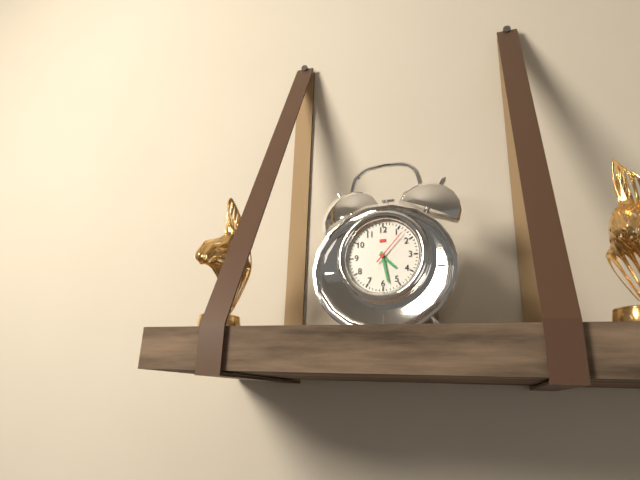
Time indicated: 4:28
